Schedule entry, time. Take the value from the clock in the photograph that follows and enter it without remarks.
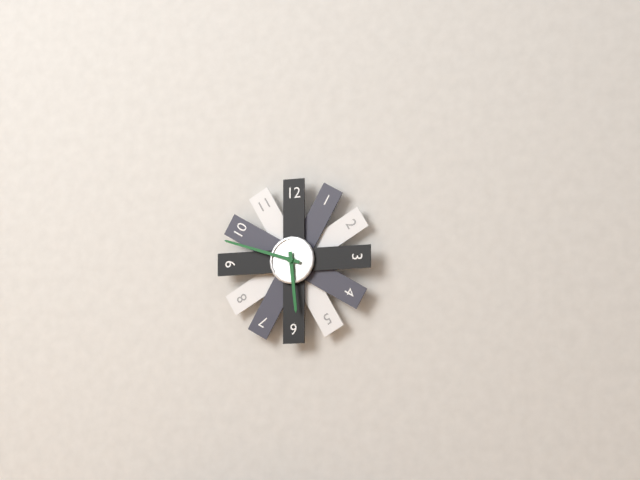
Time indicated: 5:48
